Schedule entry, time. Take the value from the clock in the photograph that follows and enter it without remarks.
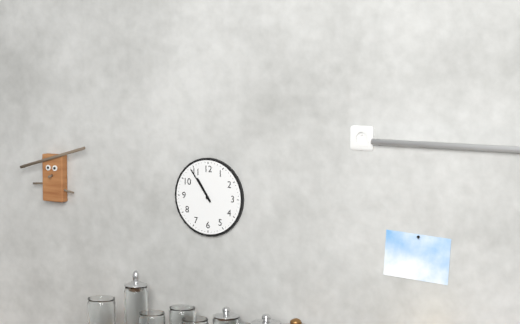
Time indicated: 10:54
